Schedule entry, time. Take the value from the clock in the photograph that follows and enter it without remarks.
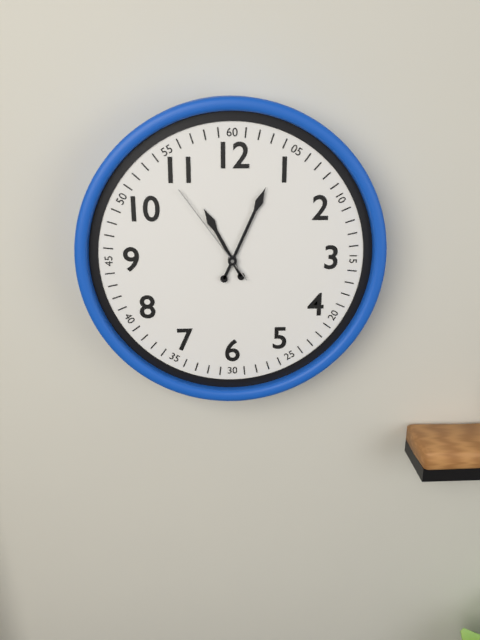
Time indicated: 11:04:54
